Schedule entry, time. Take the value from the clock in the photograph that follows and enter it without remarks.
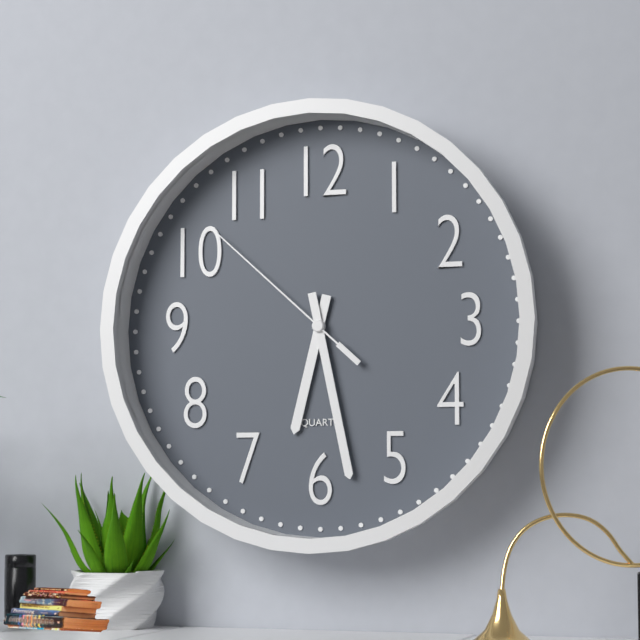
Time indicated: 6:28:52
